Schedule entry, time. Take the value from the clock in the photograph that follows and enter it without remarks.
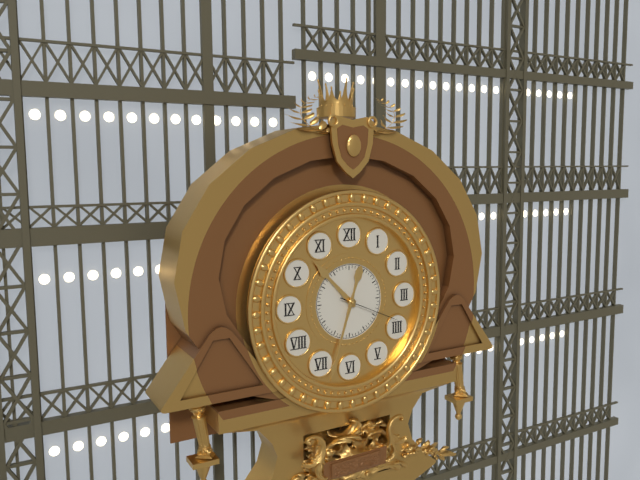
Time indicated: 10:33:19
